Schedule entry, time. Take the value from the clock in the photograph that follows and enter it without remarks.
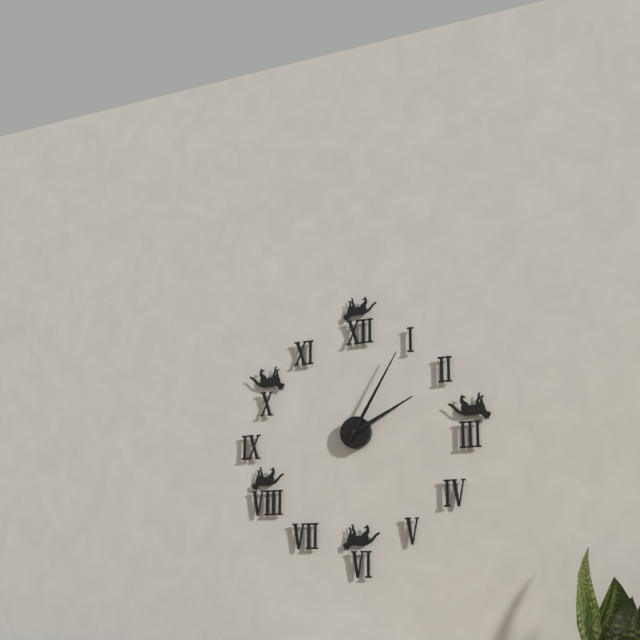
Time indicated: 2:05
